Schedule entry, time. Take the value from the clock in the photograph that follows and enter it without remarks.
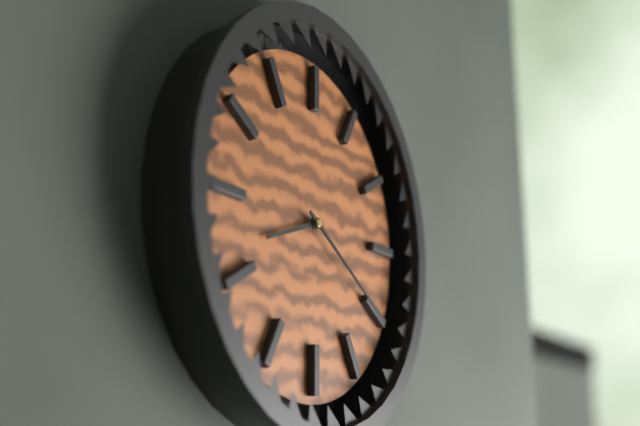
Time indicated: 8:20
